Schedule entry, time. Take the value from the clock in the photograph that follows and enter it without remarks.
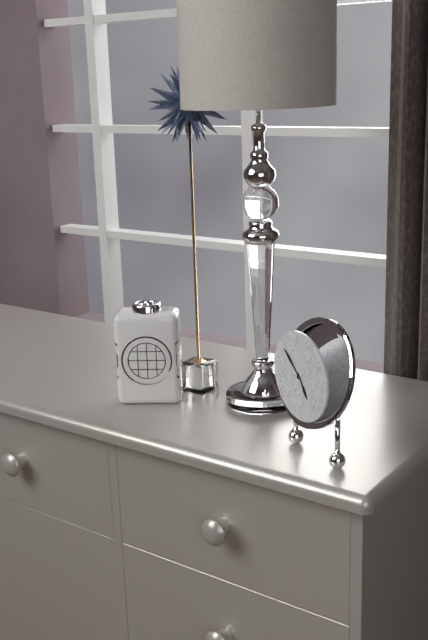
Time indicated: 4:52
